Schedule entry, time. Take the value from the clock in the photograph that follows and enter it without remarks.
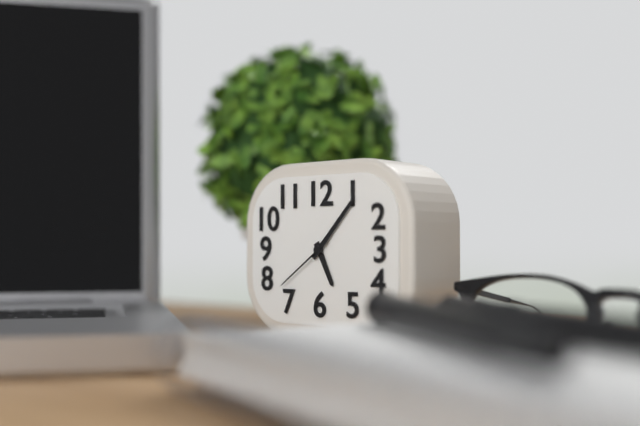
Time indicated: 5:07:39
